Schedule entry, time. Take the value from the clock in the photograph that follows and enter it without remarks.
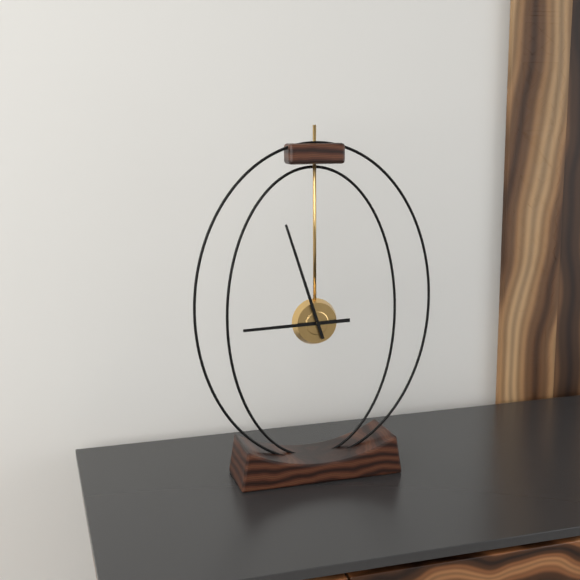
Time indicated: 8:57
